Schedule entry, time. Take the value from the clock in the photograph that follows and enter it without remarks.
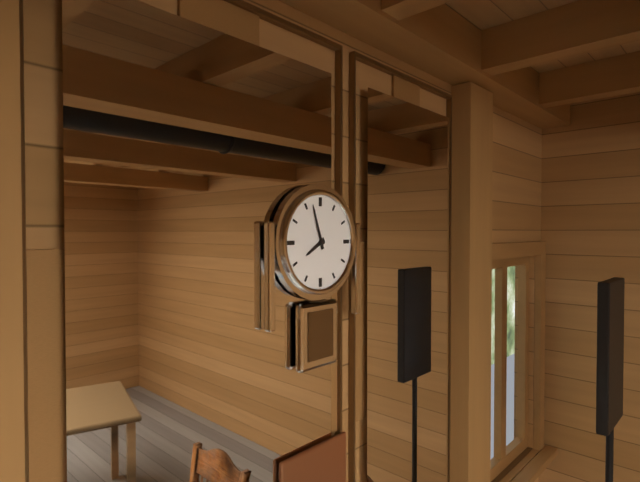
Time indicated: 7:57
